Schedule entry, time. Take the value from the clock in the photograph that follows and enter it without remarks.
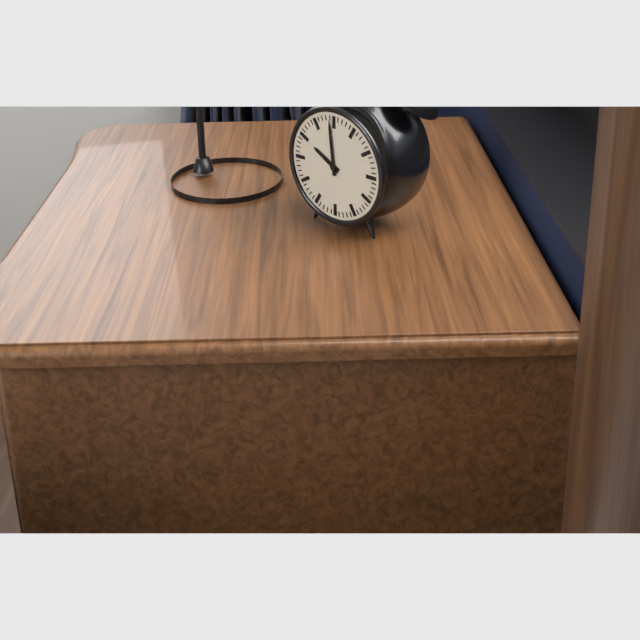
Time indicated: 9:59
